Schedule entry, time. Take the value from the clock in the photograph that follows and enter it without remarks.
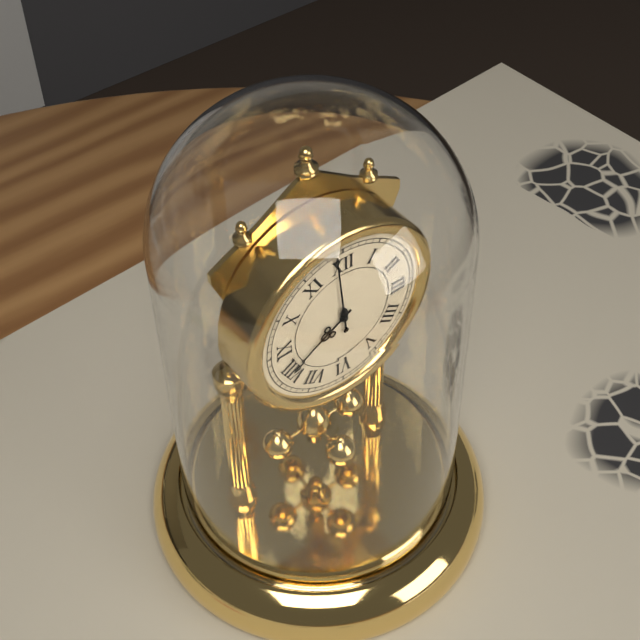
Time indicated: 7:59
